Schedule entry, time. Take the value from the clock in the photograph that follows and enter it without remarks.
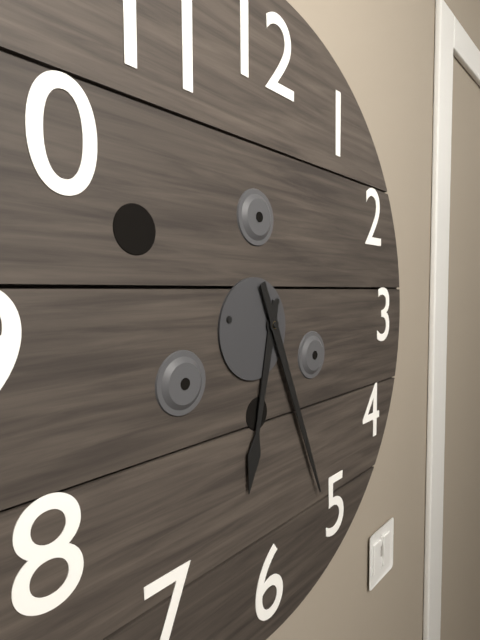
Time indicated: 6:26
